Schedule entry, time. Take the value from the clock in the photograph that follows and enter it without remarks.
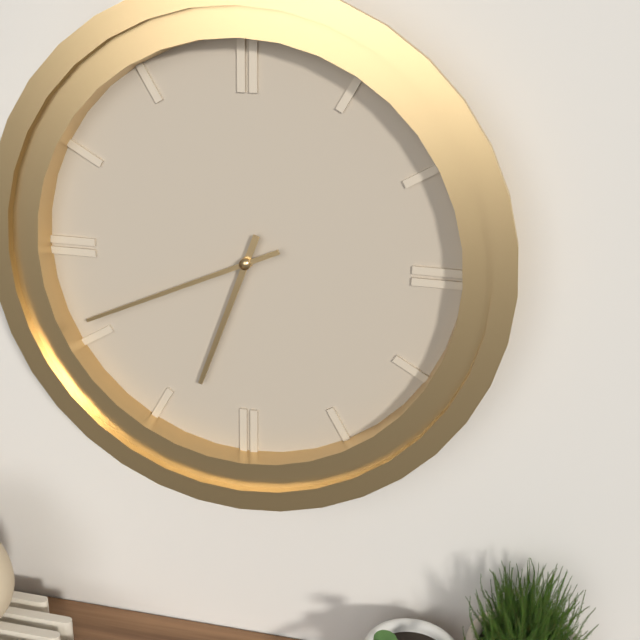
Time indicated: 6:41
